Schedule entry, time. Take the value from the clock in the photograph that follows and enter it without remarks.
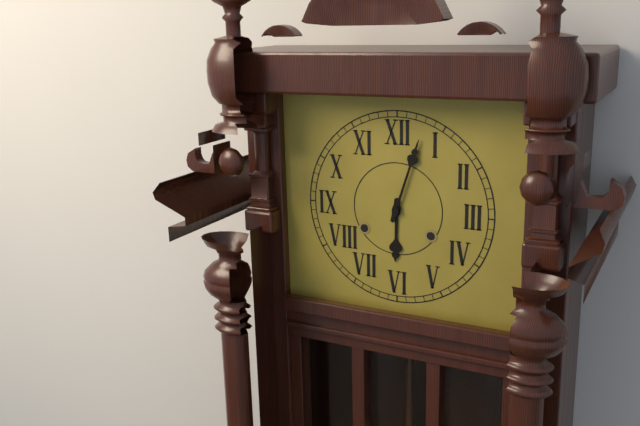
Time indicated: 6:03
